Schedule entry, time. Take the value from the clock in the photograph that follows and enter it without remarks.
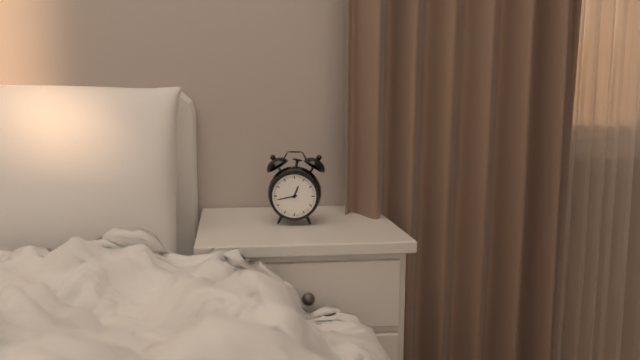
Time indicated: 12:43
